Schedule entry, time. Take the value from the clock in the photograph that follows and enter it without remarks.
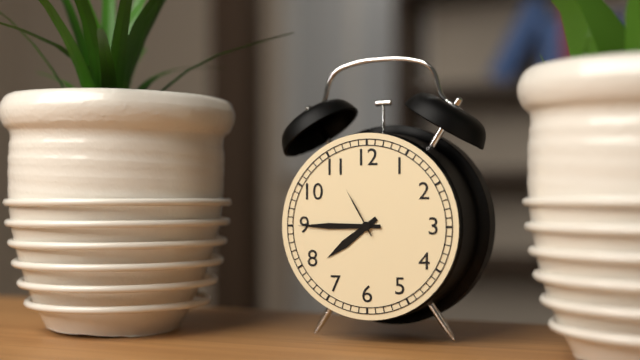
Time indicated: 7:45:55
